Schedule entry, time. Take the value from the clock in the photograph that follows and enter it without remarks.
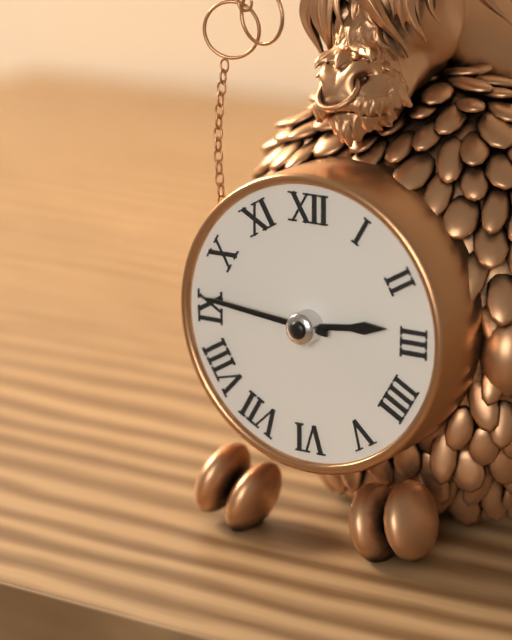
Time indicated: 2:46
